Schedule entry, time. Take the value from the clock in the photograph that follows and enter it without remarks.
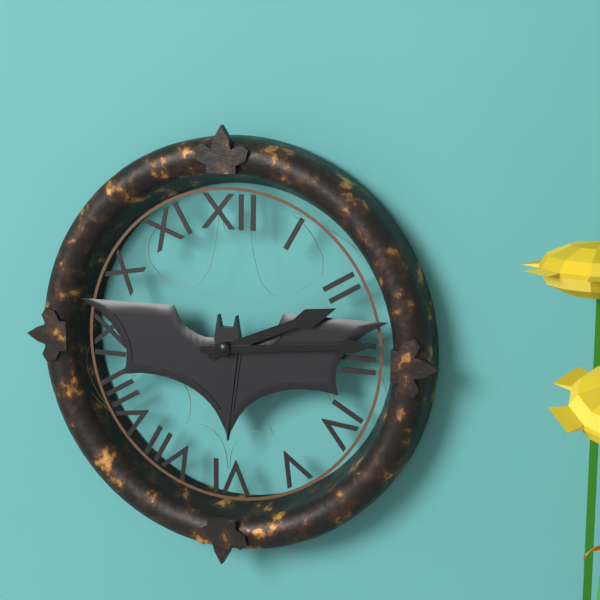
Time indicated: 2:14
